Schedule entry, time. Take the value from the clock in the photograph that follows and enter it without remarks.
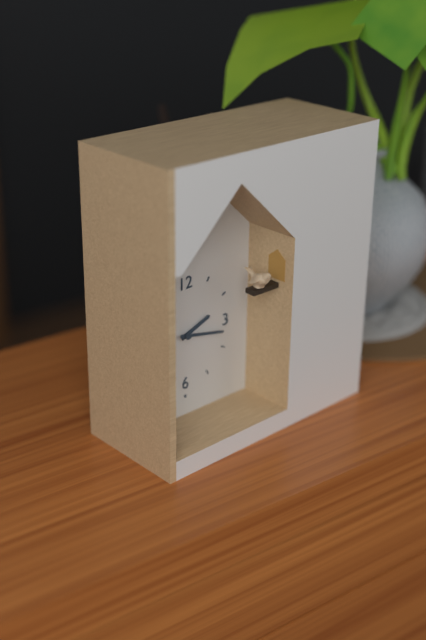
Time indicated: 2:17
